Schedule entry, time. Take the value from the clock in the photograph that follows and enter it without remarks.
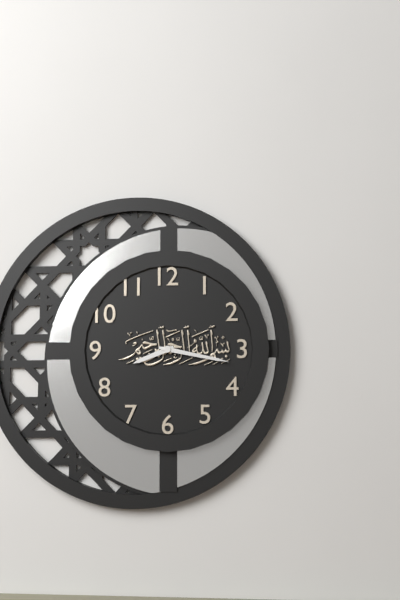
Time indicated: 8:17
